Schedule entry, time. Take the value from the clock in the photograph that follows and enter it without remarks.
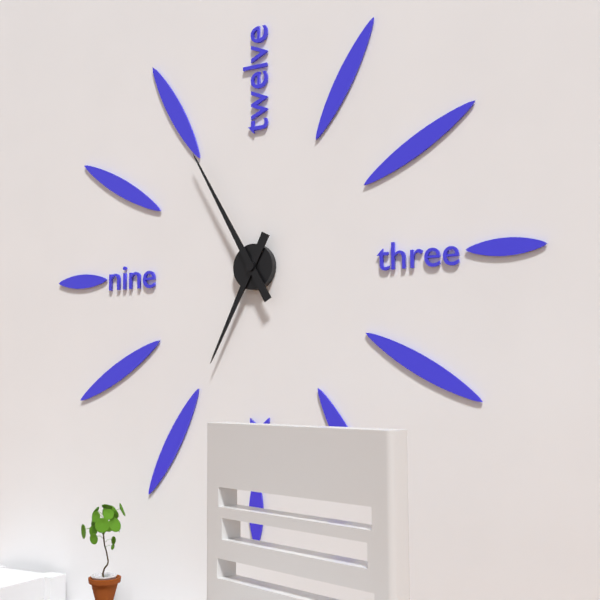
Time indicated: 6:55
